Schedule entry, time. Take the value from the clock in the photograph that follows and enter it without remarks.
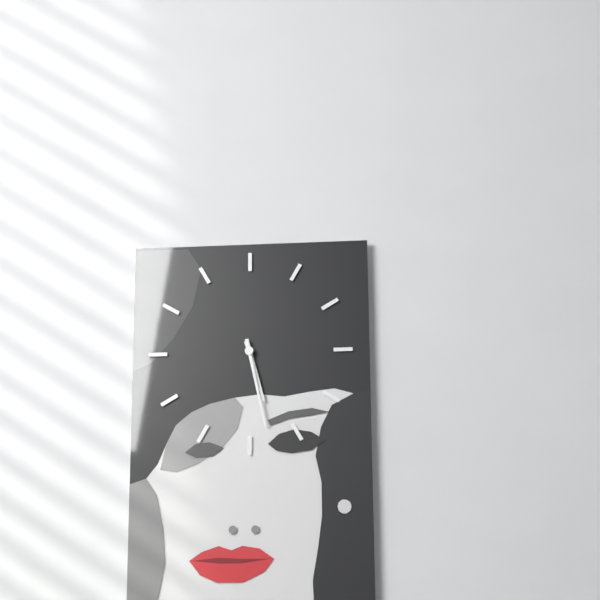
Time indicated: 5:28
